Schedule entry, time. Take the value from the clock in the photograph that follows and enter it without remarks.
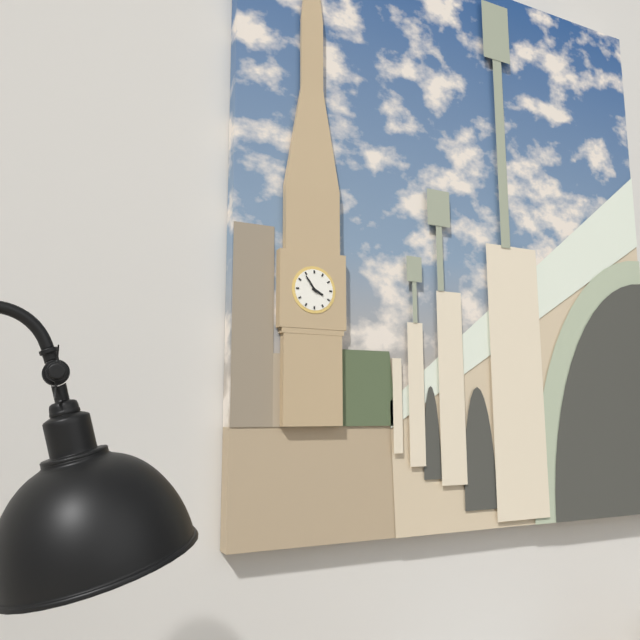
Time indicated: 3:54
